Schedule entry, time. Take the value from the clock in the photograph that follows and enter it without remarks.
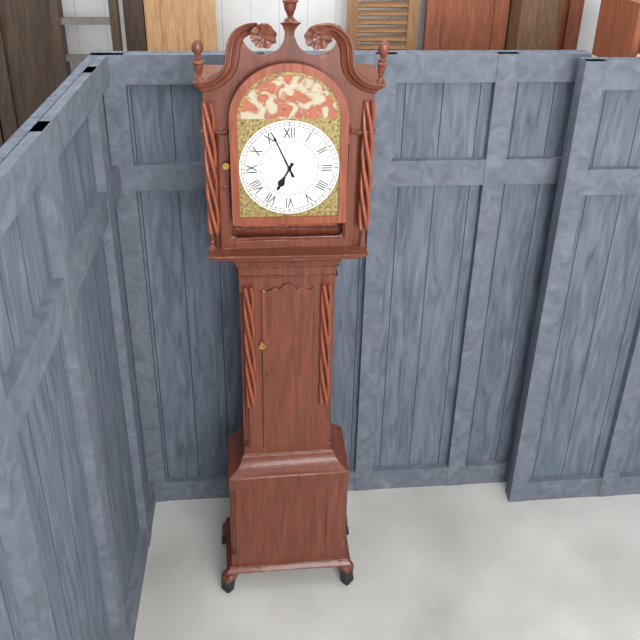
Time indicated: 6:56
